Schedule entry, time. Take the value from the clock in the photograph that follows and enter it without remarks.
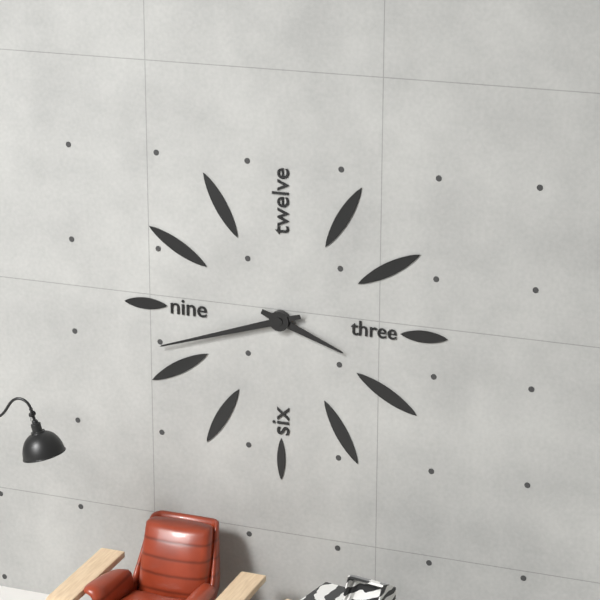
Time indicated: 3:42
